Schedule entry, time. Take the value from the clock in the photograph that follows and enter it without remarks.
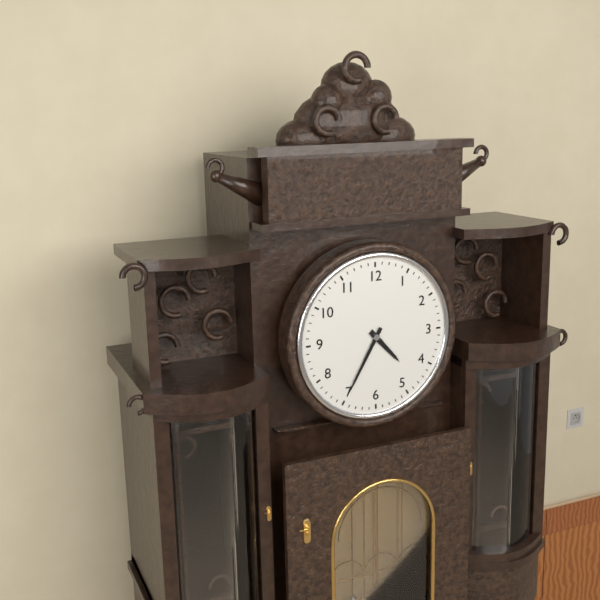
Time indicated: 4:35
